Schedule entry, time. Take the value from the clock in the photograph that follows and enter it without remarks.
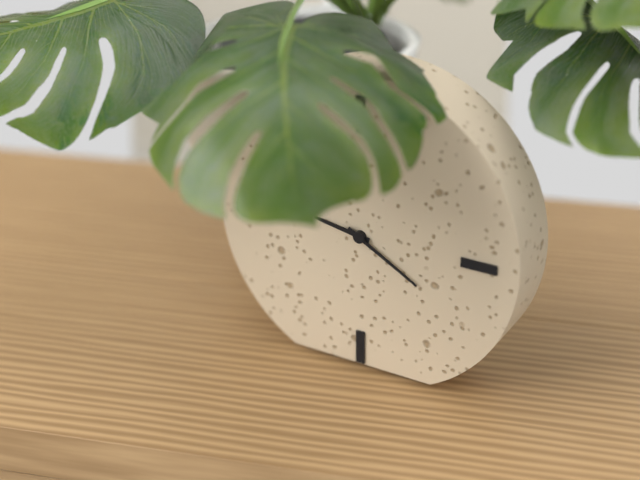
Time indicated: 9:20
